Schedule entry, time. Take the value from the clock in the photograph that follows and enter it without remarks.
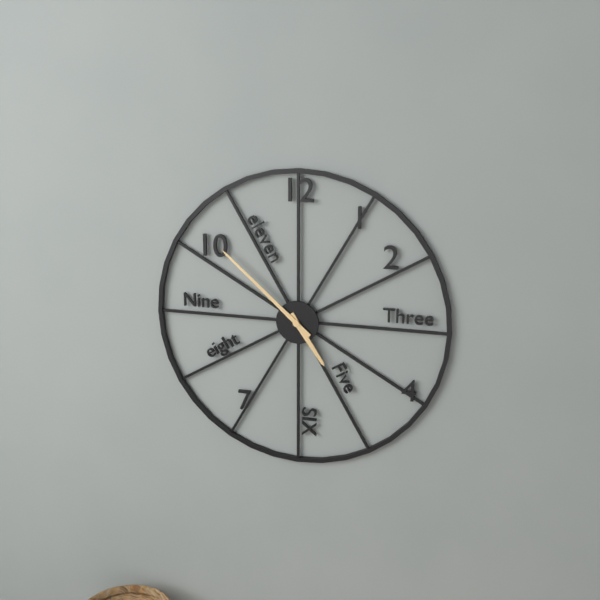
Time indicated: 4:52
